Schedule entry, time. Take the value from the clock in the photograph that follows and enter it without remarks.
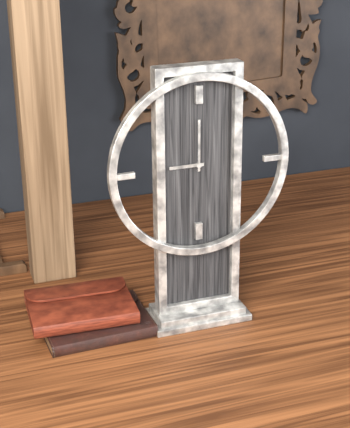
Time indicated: 9:00
